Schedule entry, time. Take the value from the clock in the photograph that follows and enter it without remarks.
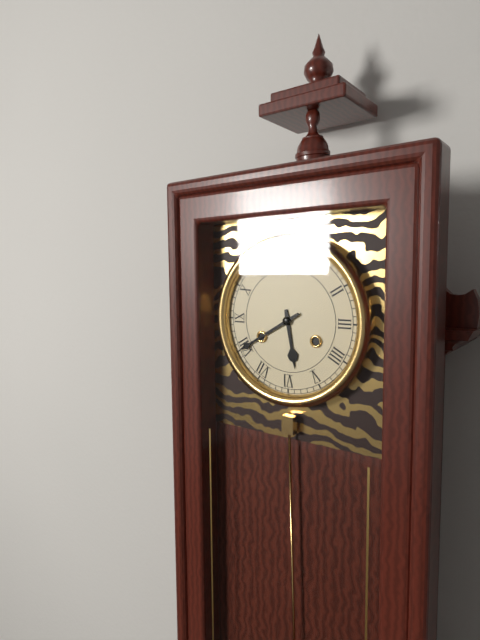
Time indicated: 5:40
